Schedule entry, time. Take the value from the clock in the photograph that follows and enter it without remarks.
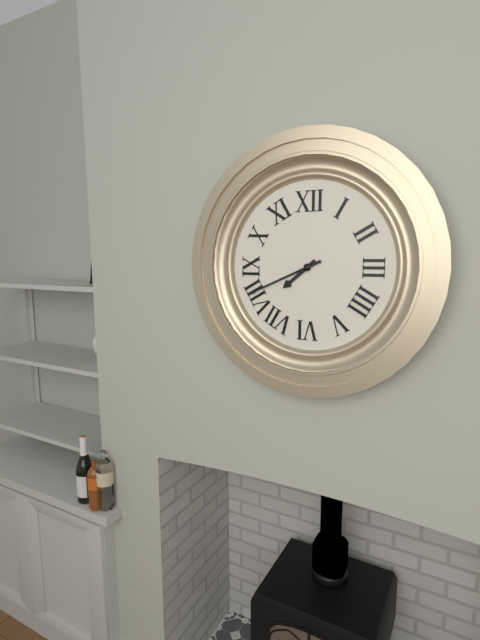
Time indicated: 7:41
